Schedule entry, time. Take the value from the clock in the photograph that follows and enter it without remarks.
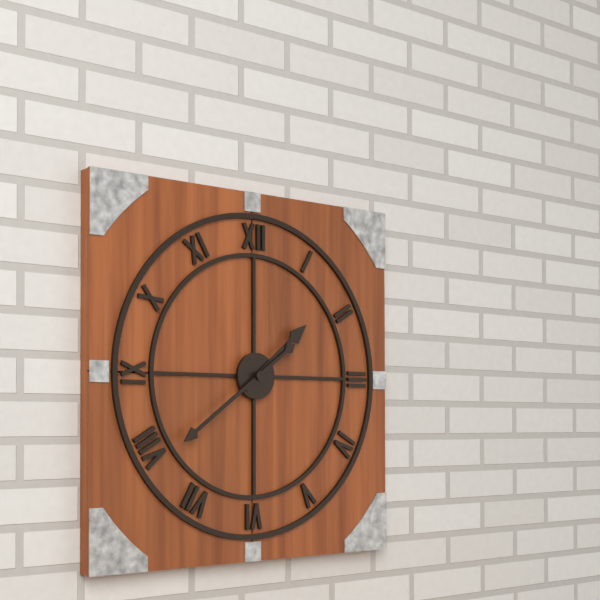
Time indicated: 1:39
